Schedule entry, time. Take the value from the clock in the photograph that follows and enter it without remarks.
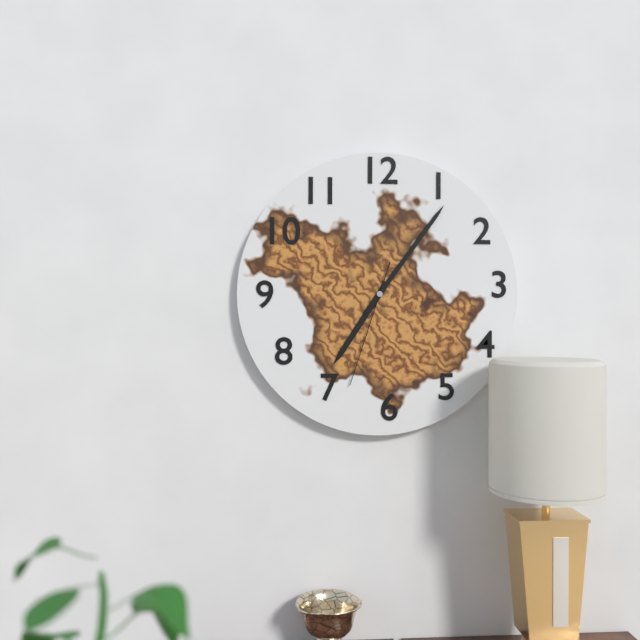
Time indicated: 7:06:33
